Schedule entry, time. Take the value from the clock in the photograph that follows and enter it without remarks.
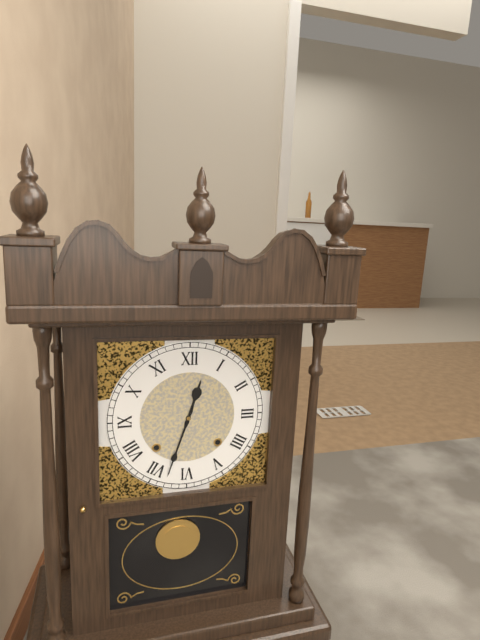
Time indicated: 12:33
